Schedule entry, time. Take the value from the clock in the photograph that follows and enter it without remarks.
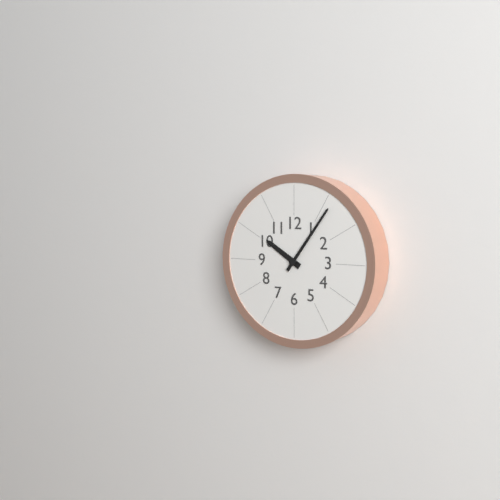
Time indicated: 10:06
